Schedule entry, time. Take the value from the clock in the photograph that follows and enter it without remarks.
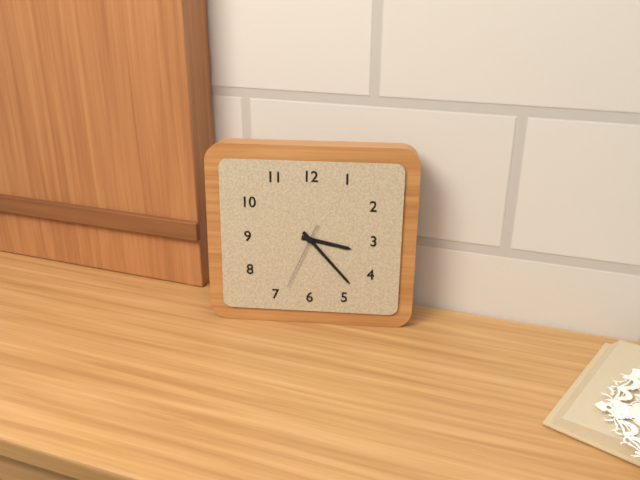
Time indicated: 3:23:34
